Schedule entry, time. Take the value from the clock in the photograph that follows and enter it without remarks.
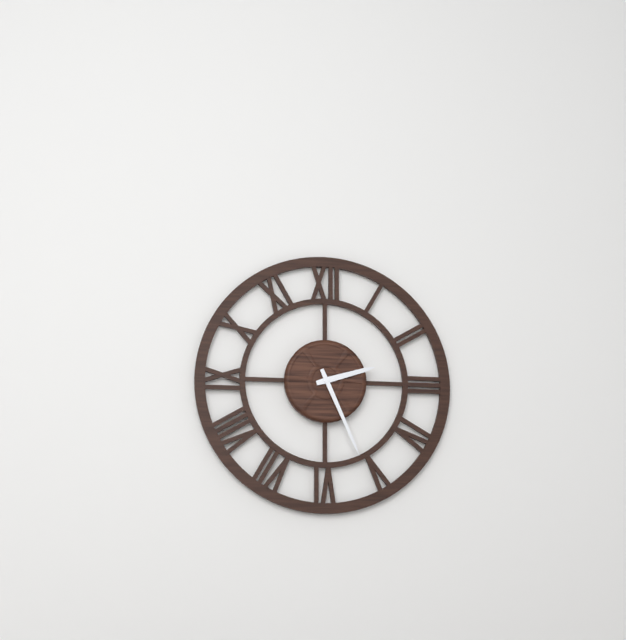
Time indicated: 2:26
